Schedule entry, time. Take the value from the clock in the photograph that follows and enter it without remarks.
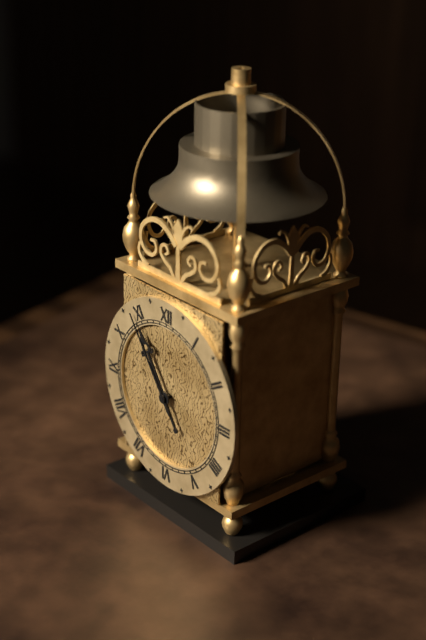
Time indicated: 10:54
